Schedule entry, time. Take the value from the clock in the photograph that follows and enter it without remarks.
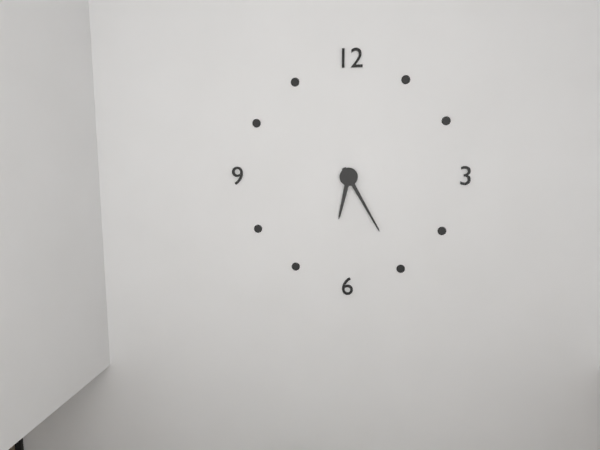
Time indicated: 6:25
